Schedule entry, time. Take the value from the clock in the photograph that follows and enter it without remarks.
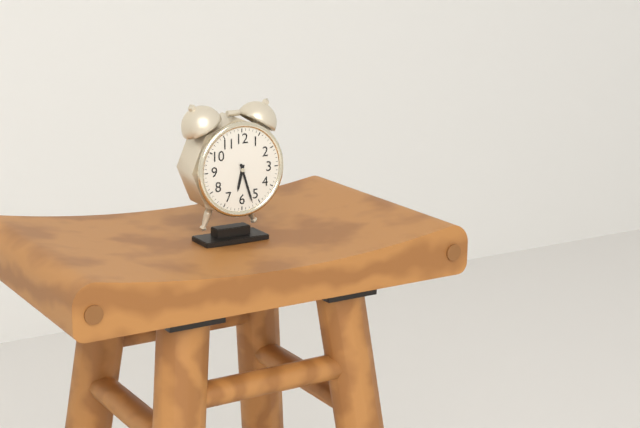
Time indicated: 6:27
